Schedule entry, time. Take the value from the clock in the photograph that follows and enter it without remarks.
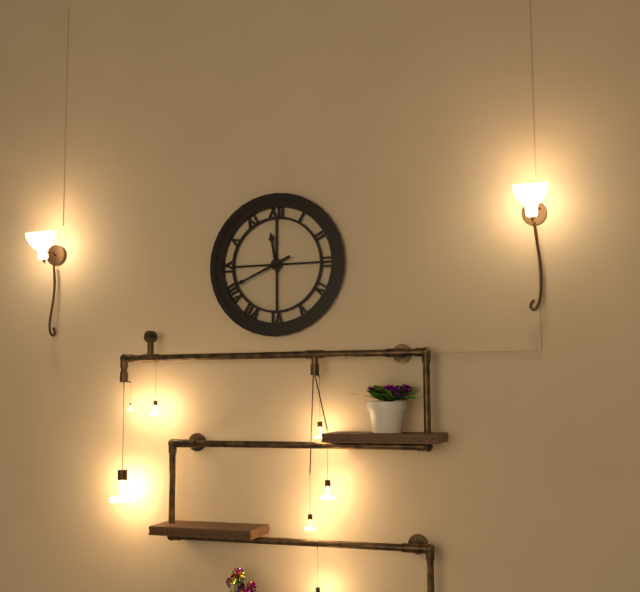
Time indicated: 11:41
